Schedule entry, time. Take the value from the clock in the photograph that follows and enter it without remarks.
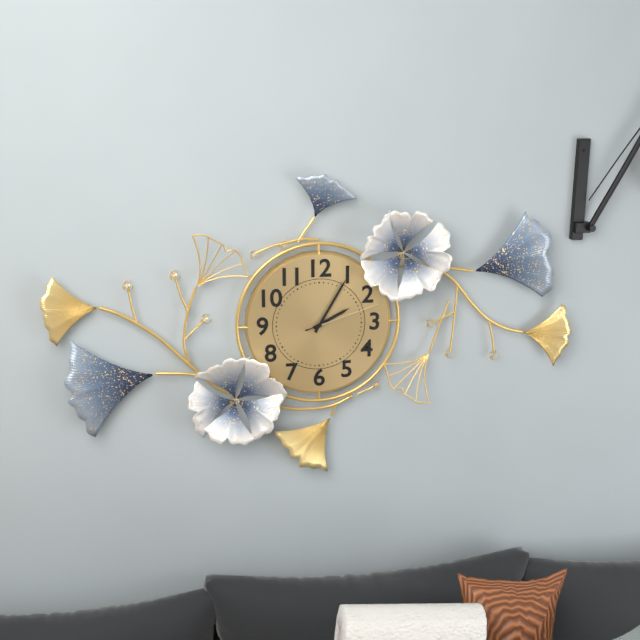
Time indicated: 2:05:12
